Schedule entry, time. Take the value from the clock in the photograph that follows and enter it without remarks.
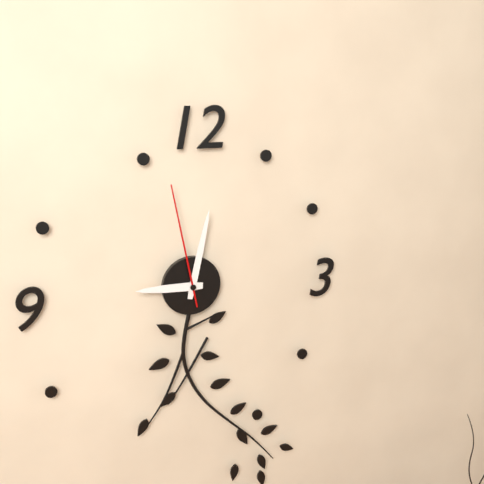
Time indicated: 9:02:58
